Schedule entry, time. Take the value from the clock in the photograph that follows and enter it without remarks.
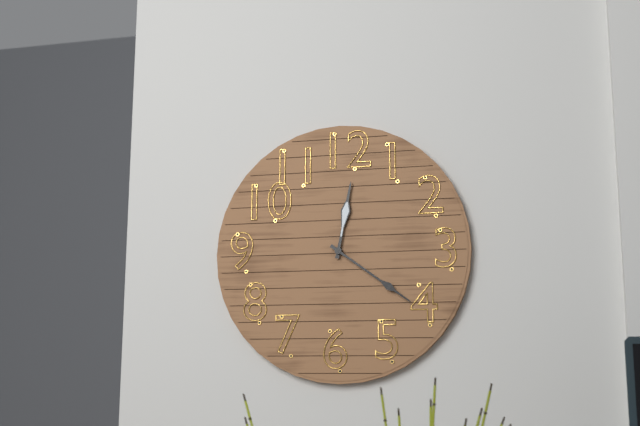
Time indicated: 12:21
